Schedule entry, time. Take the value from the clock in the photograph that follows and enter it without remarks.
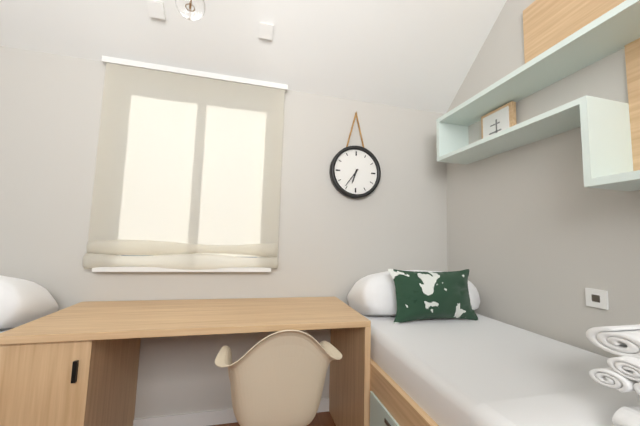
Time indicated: 6:36
